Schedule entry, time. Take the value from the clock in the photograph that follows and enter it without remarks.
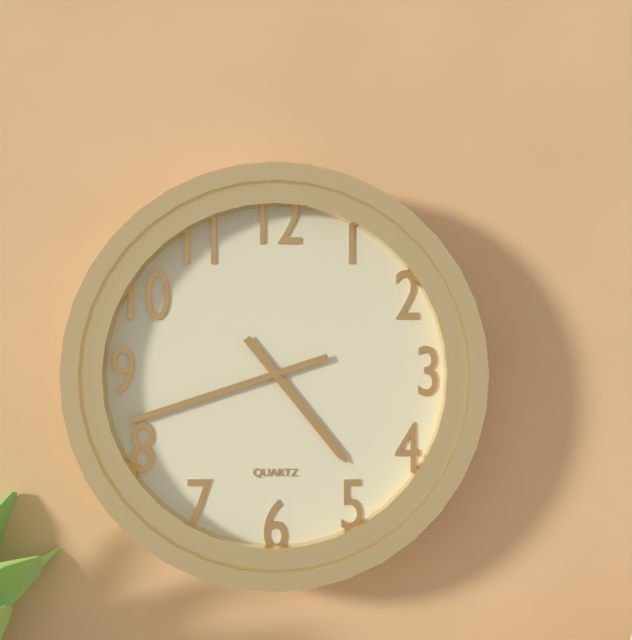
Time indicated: 4:42
